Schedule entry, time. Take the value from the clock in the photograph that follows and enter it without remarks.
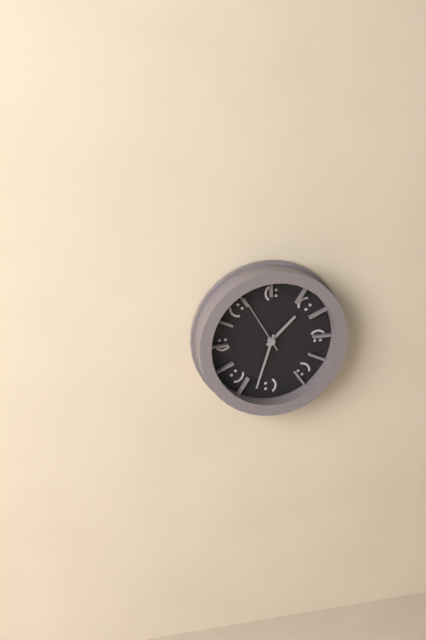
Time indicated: 1:33:55
